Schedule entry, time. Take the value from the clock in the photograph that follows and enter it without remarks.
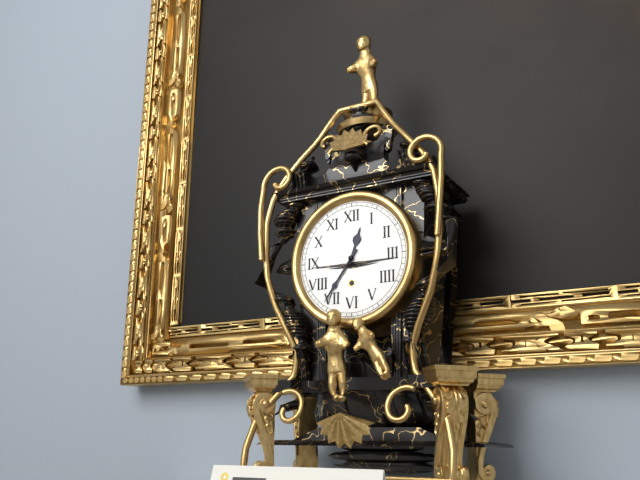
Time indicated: 12:36
